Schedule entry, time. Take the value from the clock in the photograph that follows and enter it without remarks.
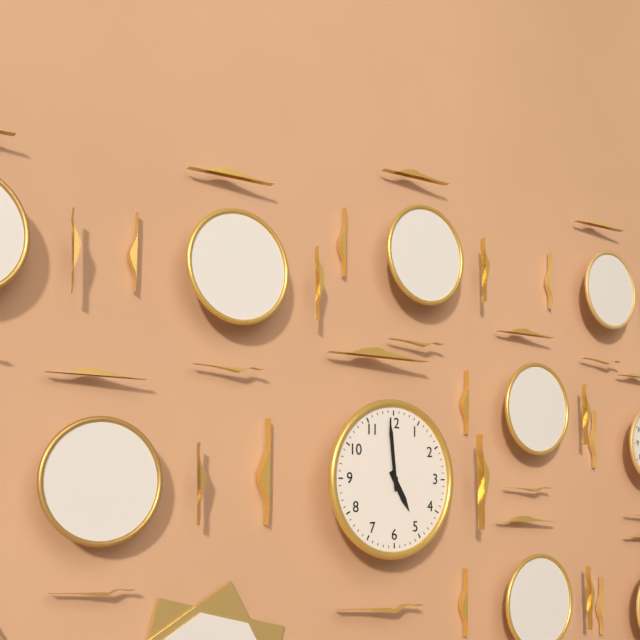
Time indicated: 4:59
